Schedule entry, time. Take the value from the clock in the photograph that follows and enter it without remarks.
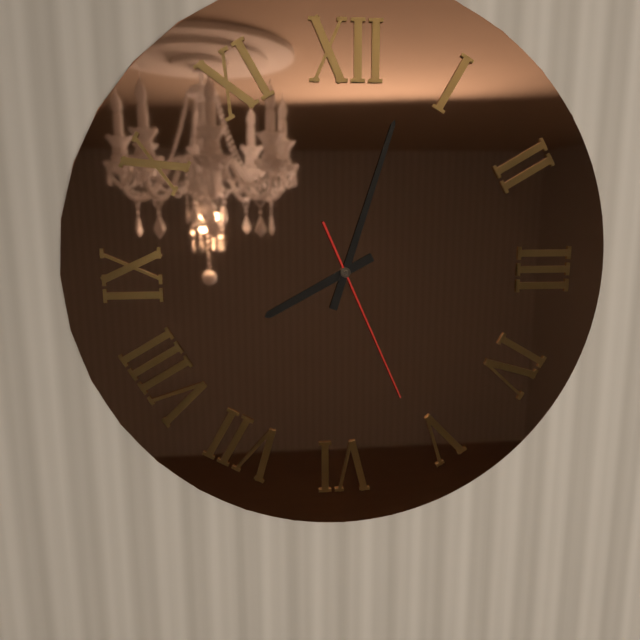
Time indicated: 8:03:26
